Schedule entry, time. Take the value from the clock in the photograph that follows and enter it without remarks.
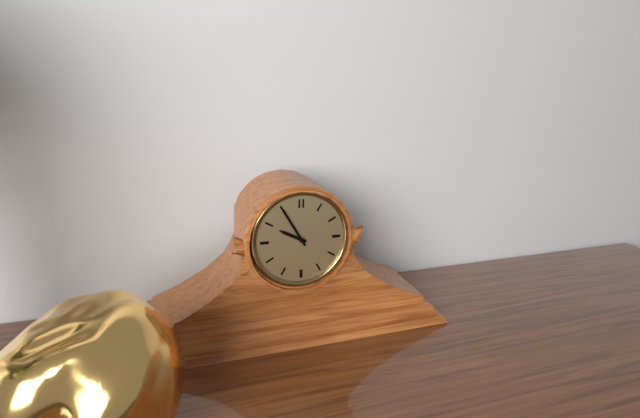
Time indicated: 9:55
